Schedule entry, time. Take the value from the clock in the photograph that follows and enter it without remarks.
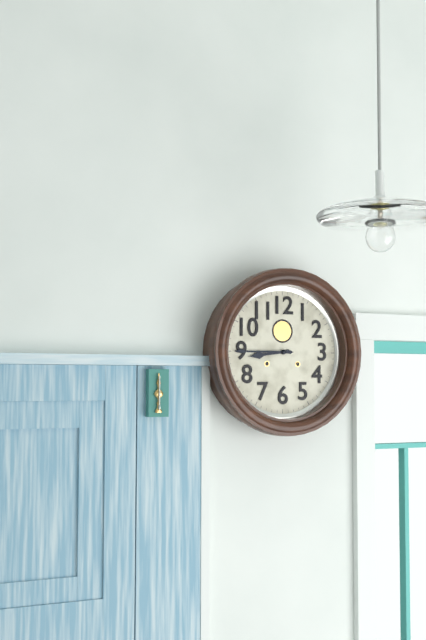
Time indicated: 8:45
